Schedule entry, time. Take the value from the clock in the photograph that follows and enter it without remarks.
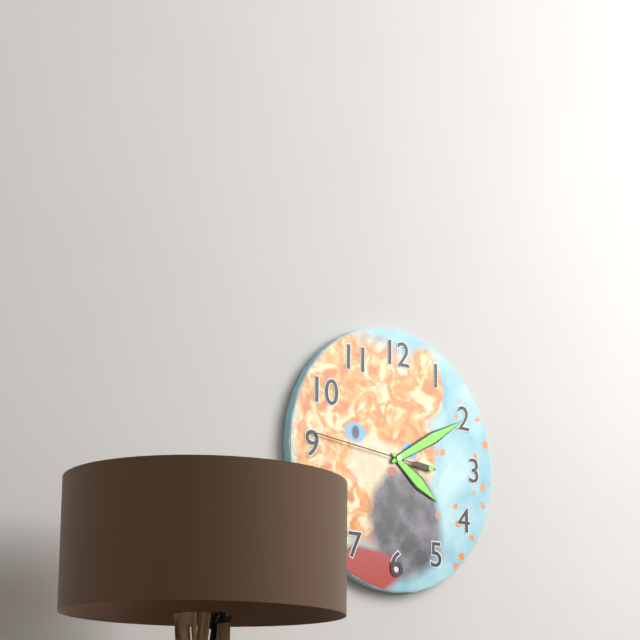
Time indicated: 4:10:46
